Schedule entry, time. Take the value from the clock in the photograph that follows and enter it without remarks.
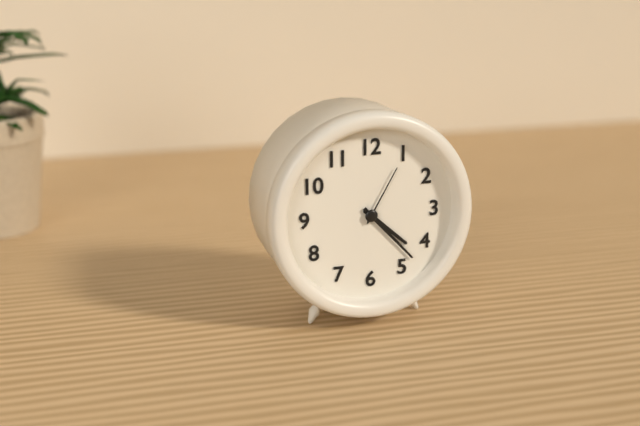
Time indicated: 4:23:05
